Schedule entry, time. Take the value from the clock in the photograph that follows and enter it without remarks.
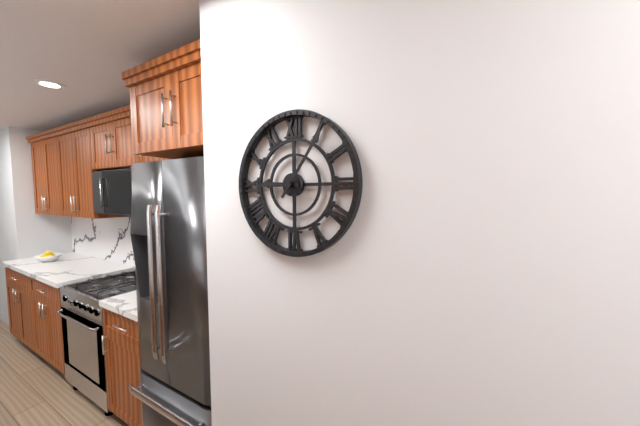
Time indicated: 9:06
